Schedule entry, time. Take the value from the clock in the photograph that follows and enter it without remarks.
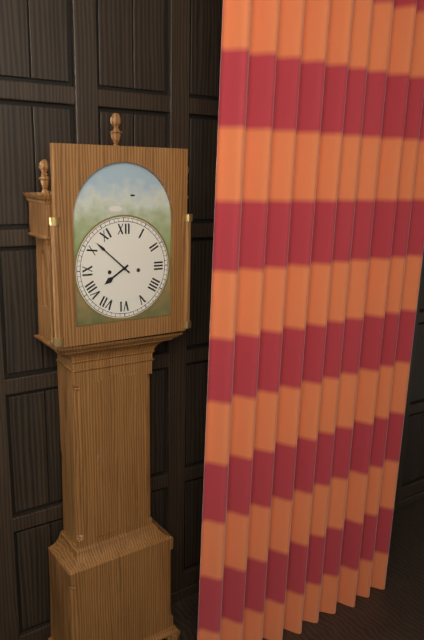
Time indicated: 7:52
